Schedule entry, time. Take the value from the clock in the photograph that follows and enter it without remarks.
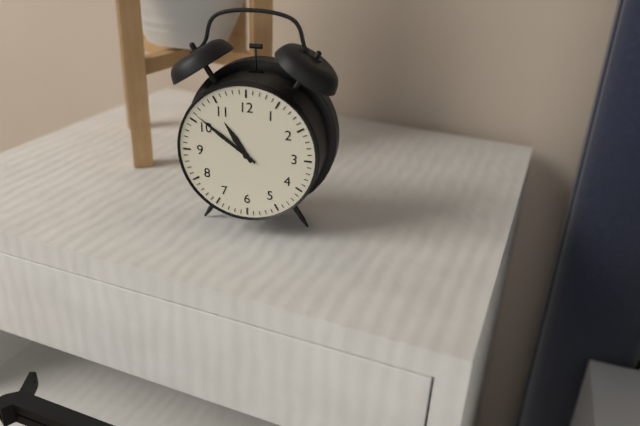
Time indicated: 10:51
